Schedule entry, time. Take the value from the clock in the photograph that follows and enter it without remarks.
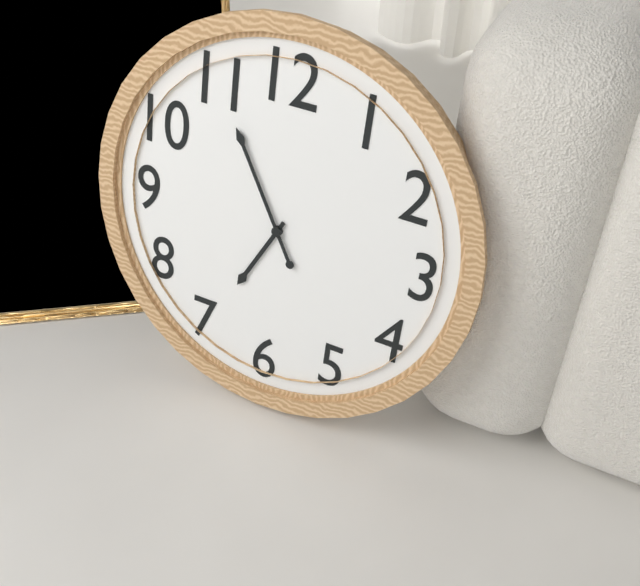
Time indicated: 6:55
